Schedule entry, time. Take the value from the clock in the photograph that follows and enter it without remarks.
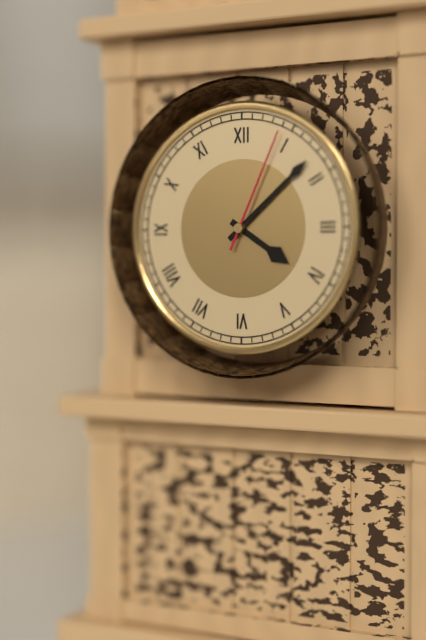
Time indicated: 4:08:04
